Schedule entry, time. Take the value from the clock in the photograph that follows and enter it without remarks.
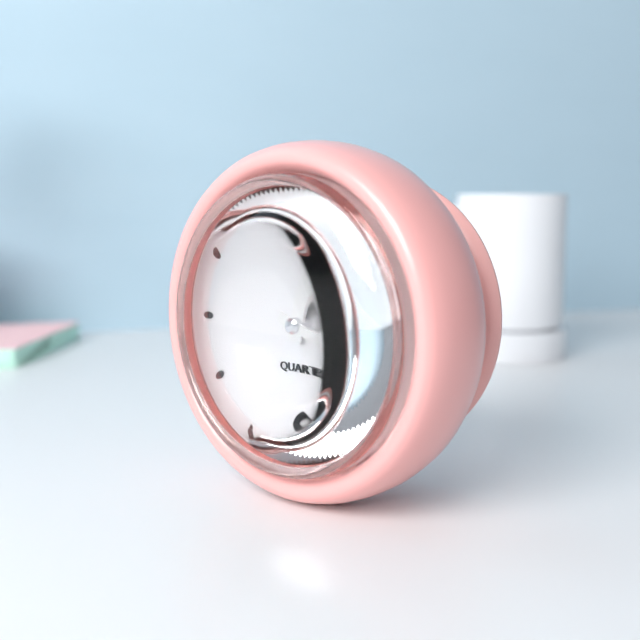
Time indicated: 12:19
